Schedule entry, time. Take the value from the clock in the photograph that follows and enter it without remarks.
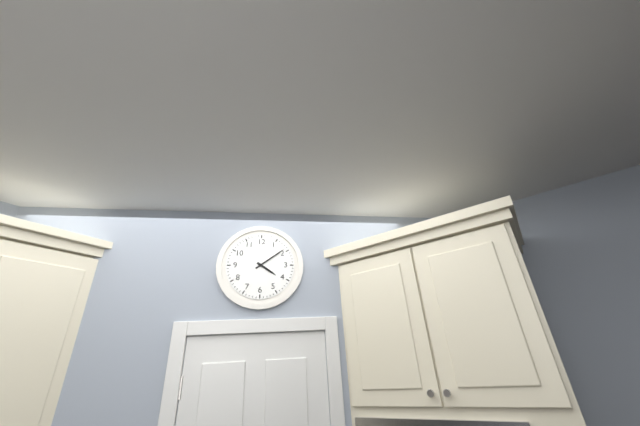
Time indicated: 4:09
